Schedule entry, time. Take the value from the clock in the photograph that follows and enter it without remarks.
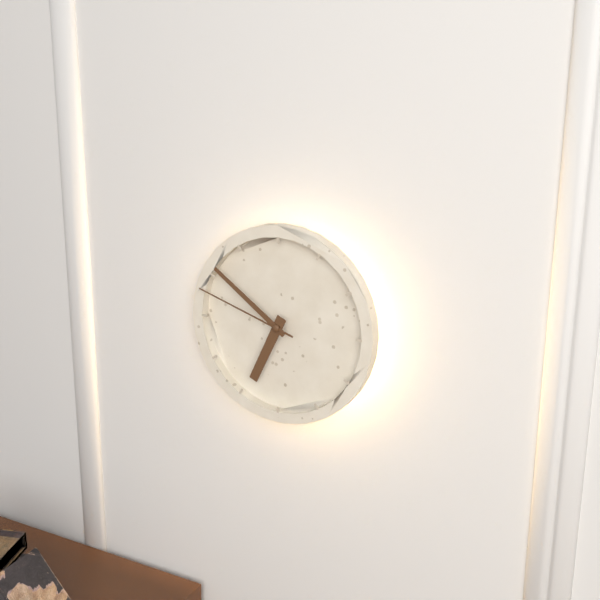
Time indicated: 6:51:48
